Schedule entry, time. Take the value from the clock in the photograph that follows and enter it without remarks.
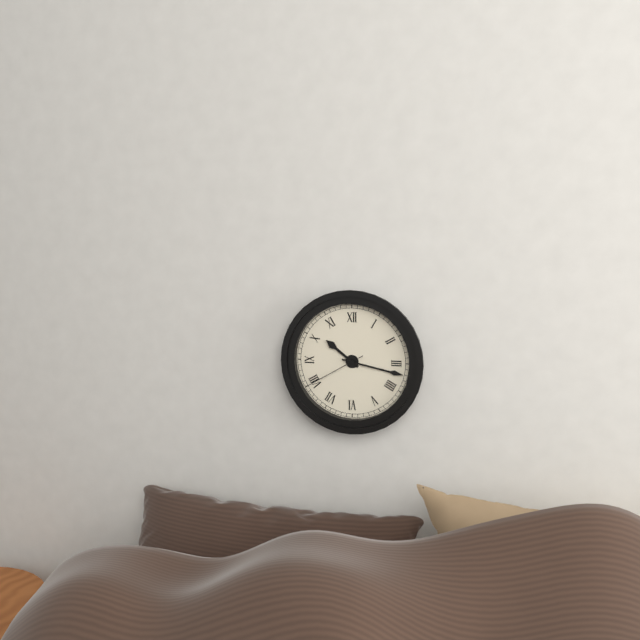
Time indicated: 10:17:40
